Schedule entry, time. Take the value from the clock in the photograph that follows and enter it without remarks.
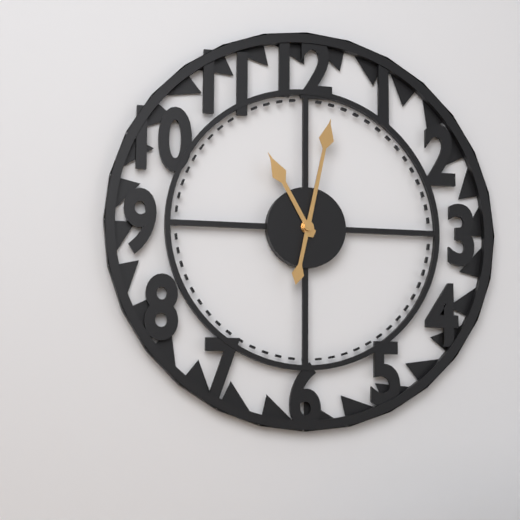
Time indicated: 11:02
